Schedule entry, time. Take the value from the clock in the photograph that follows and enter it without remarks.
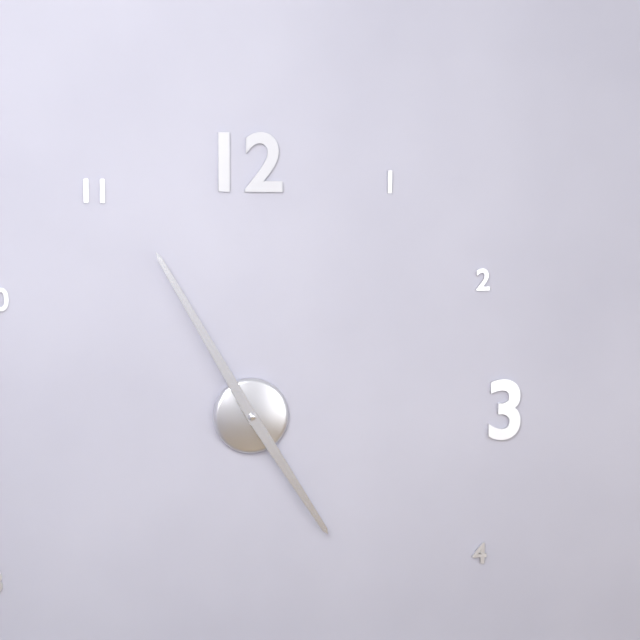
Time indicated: 4:55
